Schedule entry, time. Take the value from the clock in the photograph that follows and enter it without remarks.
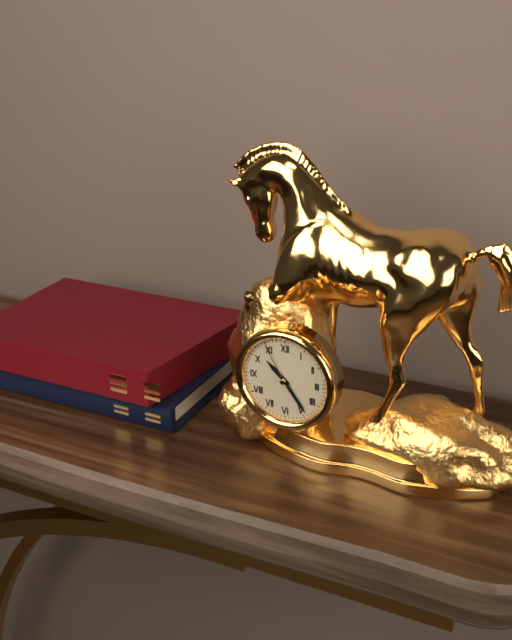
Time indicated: 10:24:55
